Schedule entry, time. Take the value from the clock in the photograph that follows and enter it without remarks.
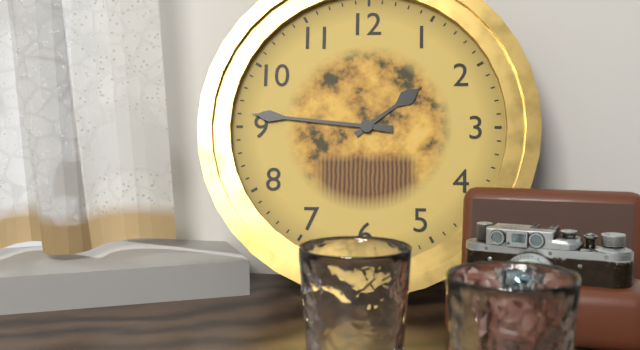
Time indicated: 1:46
